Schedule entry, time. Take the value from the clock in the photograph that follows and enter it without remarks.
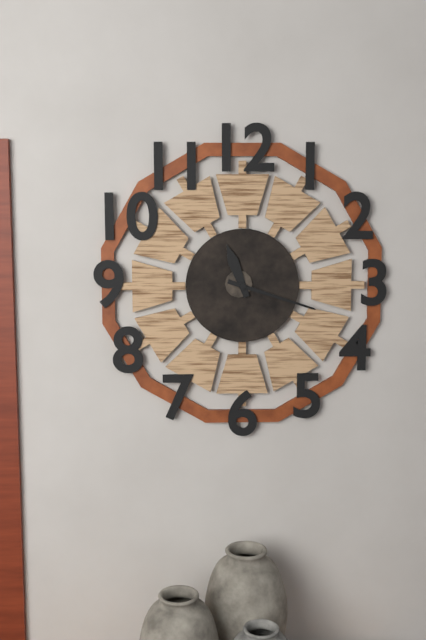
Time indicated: 11:18
